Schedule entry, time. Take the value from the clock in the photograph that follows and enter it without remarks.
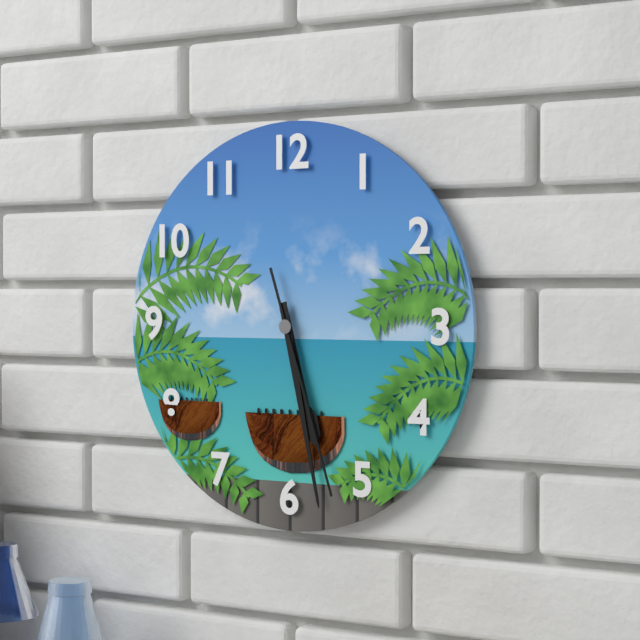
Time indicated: 5:28:27
